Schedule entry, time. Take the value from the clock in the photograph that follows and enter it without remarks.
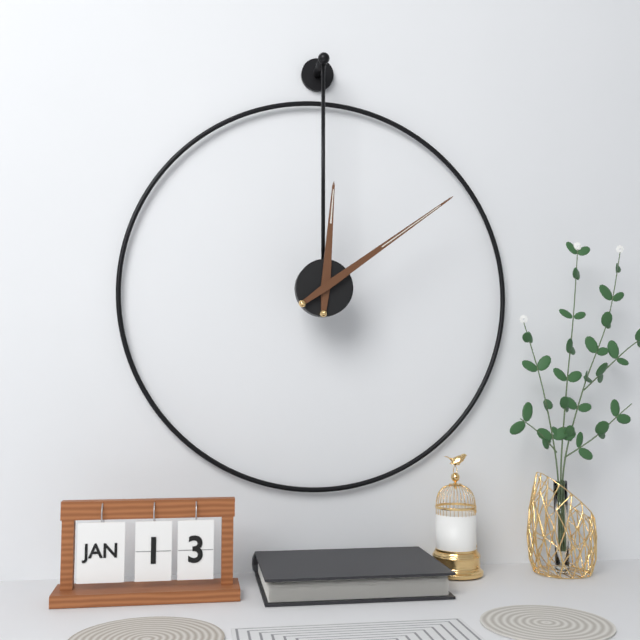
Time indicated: 12:09
